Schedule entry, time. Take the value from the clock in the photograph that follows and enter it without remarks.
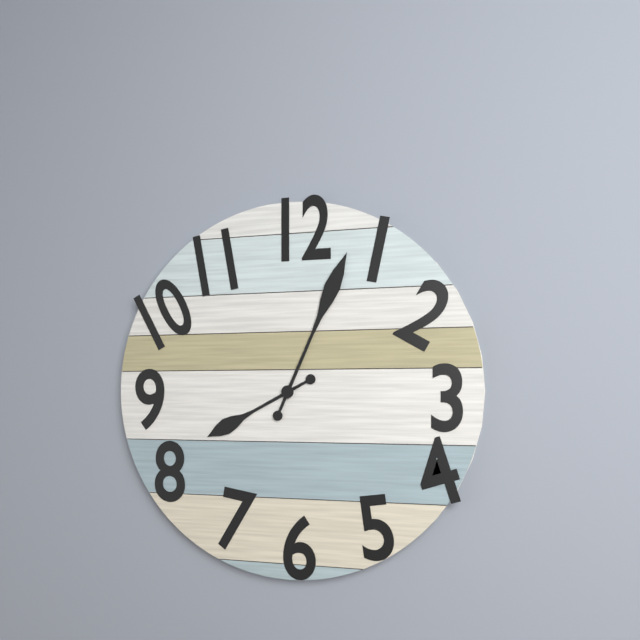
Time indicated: 8:04
